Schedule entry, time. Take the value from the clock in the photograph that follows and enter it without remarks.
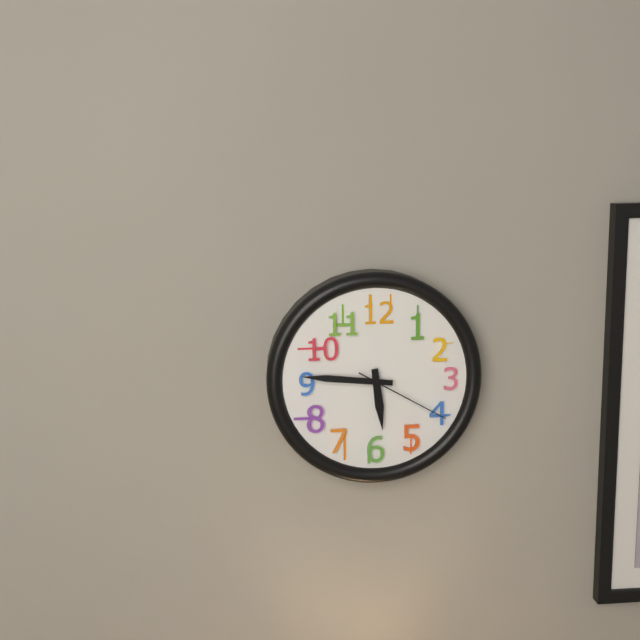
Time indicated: 5:46:20
